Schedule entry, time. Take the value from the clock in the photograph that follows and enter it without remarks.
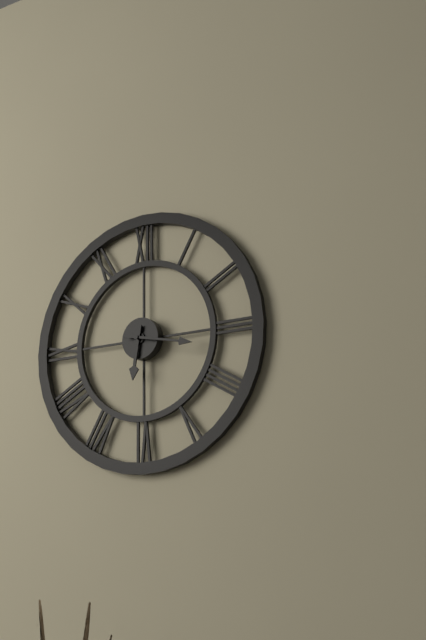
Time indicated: 6:17
